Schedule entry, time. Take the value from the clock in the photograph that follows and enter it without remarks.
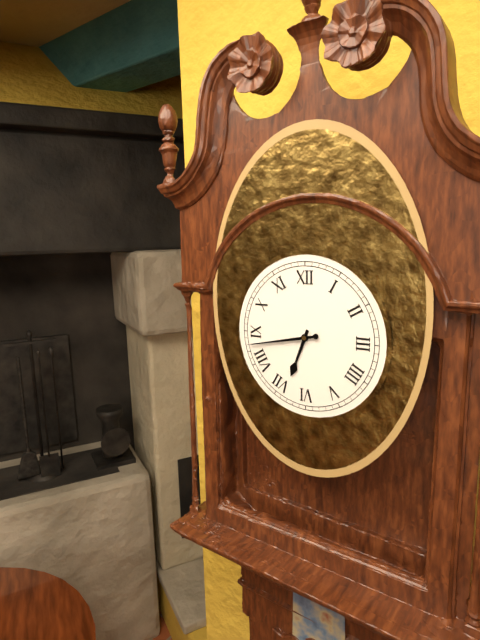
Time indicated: 6:43
